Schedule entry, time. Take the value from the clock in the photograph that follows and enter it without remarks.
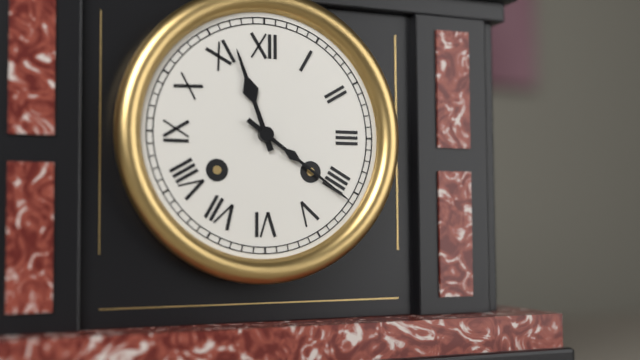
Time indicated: 11:21
